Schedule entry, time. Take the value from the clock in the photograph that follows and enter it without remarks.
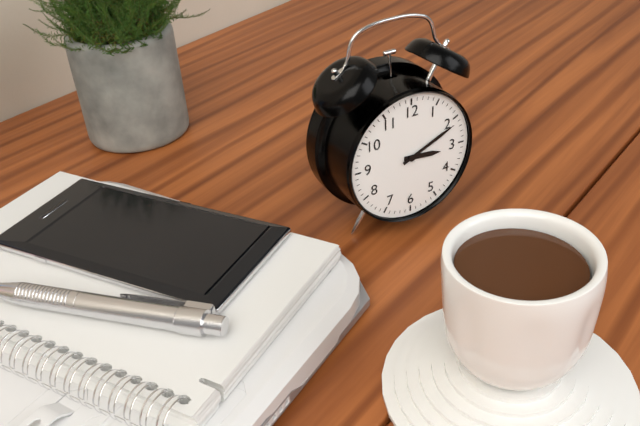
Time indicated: 3:11
